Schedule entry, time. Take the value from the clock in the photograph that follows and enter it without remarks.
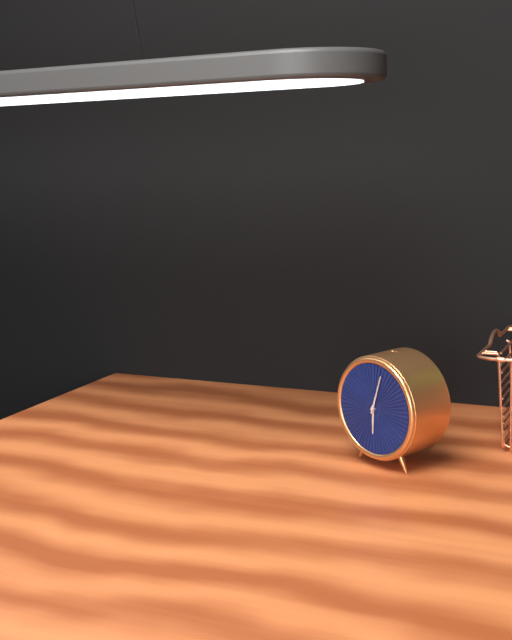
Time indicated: 6:03
